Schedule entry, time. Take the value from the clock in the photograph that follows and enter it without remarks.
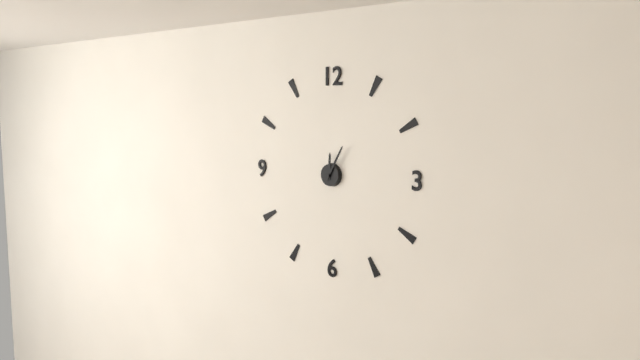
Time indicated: 12:05
